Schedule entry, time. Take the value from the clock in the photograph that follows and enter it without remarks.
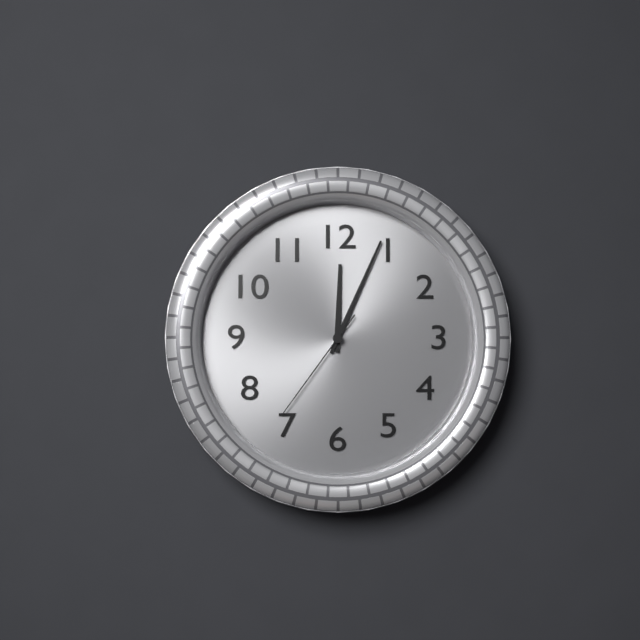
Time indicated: 12:04:36
